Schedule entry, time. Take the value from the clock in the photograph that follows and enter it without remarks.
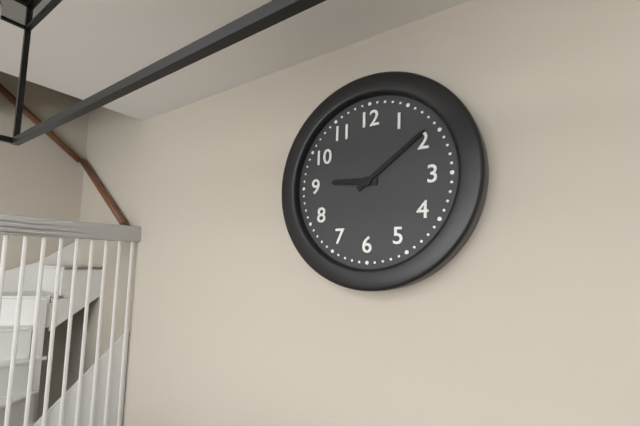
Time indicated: 9:09
